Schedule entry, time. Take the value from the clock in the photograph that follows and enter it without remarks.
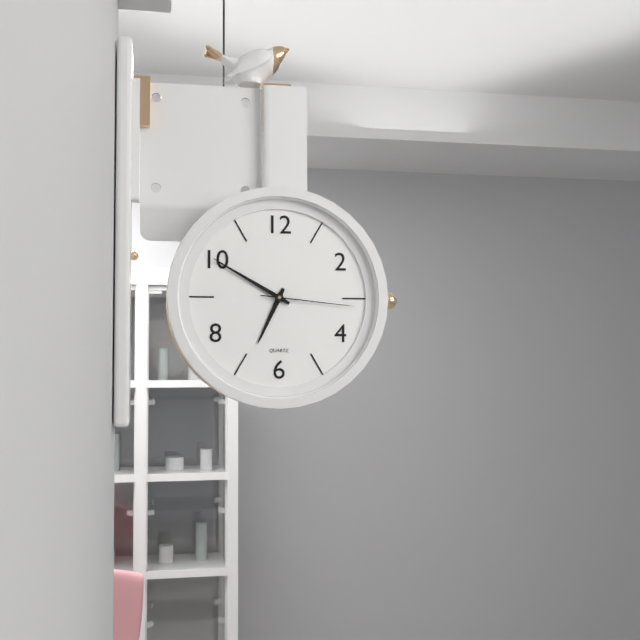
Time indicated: 6:50:16
